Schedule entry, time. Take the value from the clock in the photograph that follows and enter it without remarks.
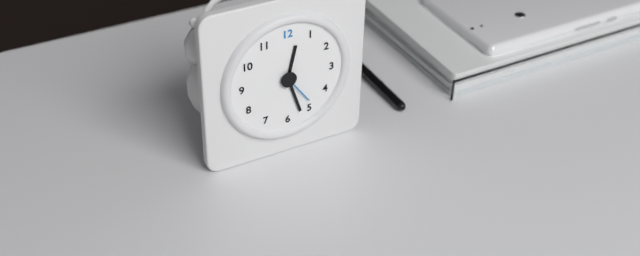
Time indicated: 12:27
